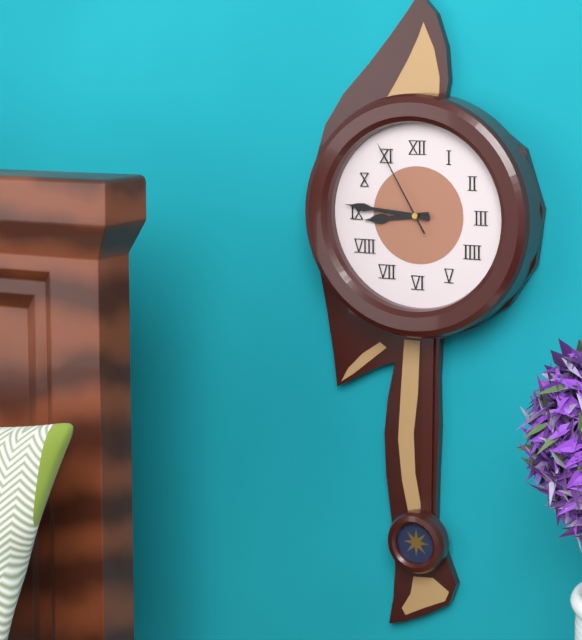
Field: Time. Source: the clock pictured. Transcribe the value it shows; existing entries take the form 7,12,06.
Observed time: 8,46,55
